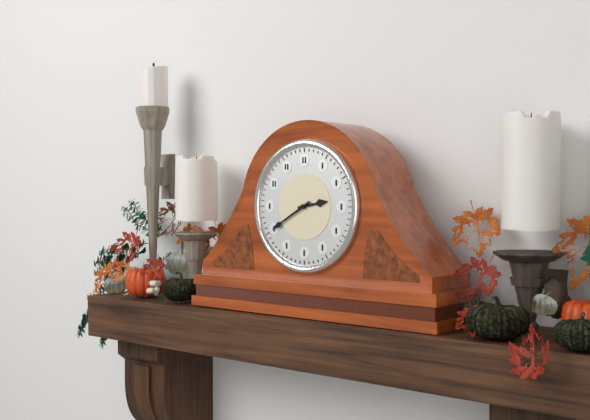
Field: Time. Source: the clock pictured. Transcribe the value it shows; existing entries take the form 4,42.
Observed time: 2,40
